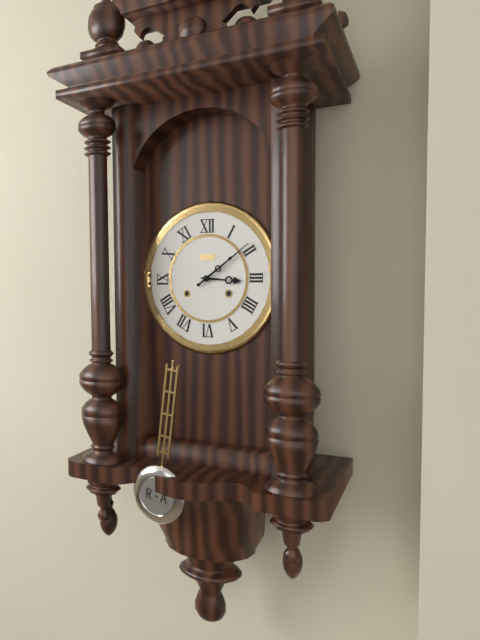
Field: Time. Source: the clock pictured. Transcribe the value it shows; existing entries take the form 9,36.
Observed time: 3,09
